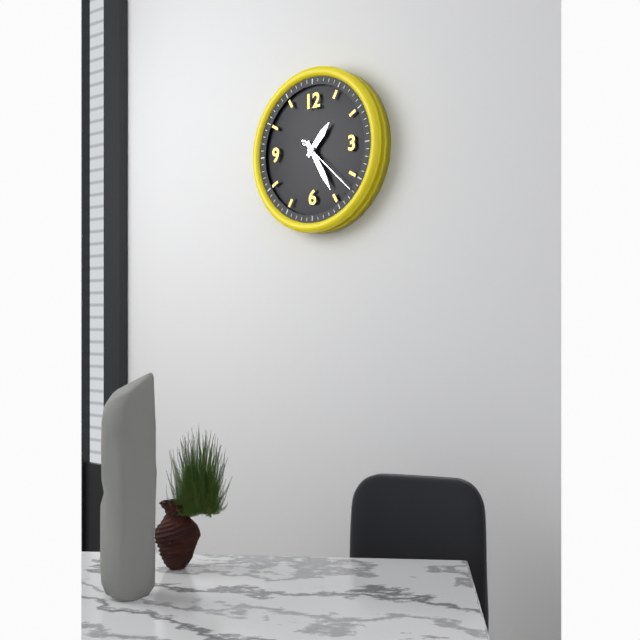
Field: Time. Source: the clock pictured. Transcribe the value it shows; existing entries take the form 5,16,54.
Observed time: 1,25,22
